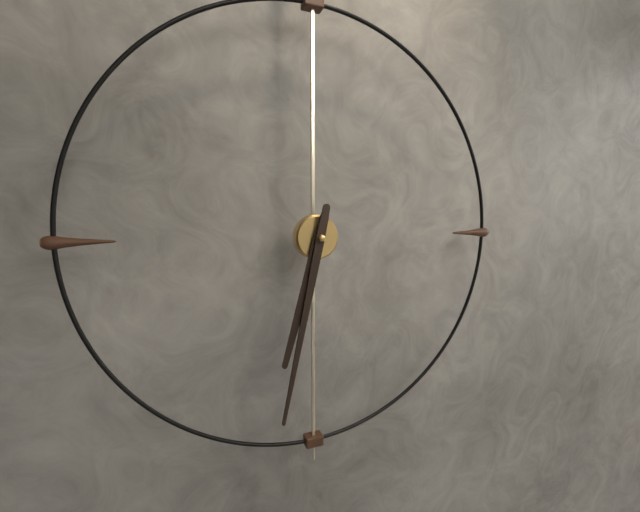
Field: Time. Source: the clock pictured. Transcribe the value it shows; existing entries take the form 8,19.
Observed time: 6,32
